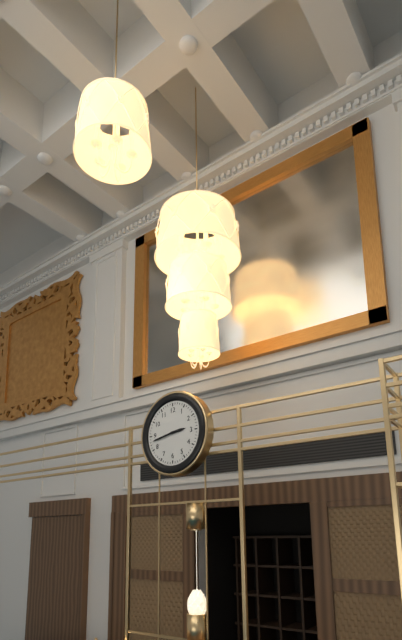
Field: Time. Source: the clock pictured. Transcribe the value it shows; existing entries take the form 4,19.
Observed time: 2,43
